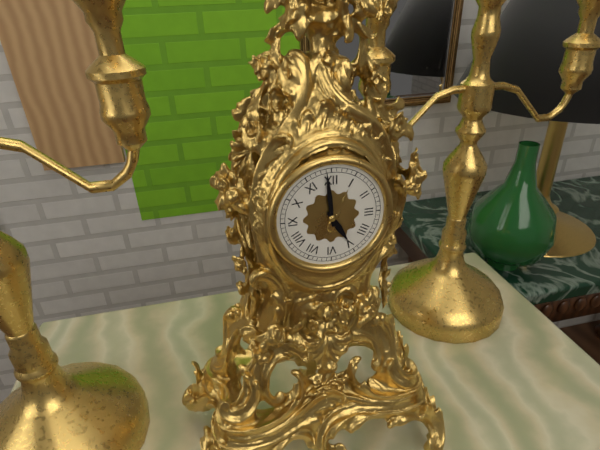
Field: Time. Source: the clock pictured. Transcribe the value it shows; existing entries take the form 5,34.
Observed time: 4,59
